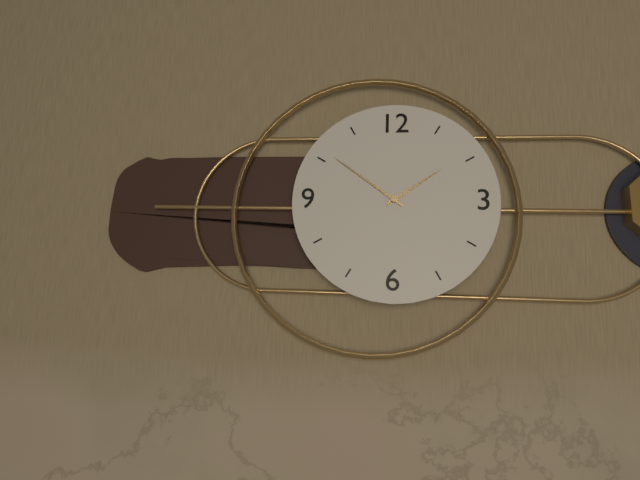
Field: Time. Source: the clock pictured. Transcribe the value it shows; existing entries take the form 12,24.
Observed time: 1,51
